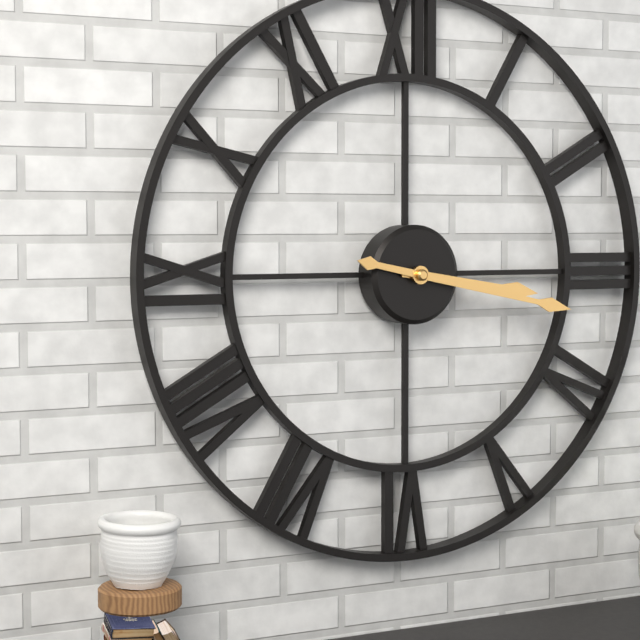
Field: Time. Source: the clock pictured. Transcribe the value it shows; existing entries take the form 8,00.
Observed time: 3,17
